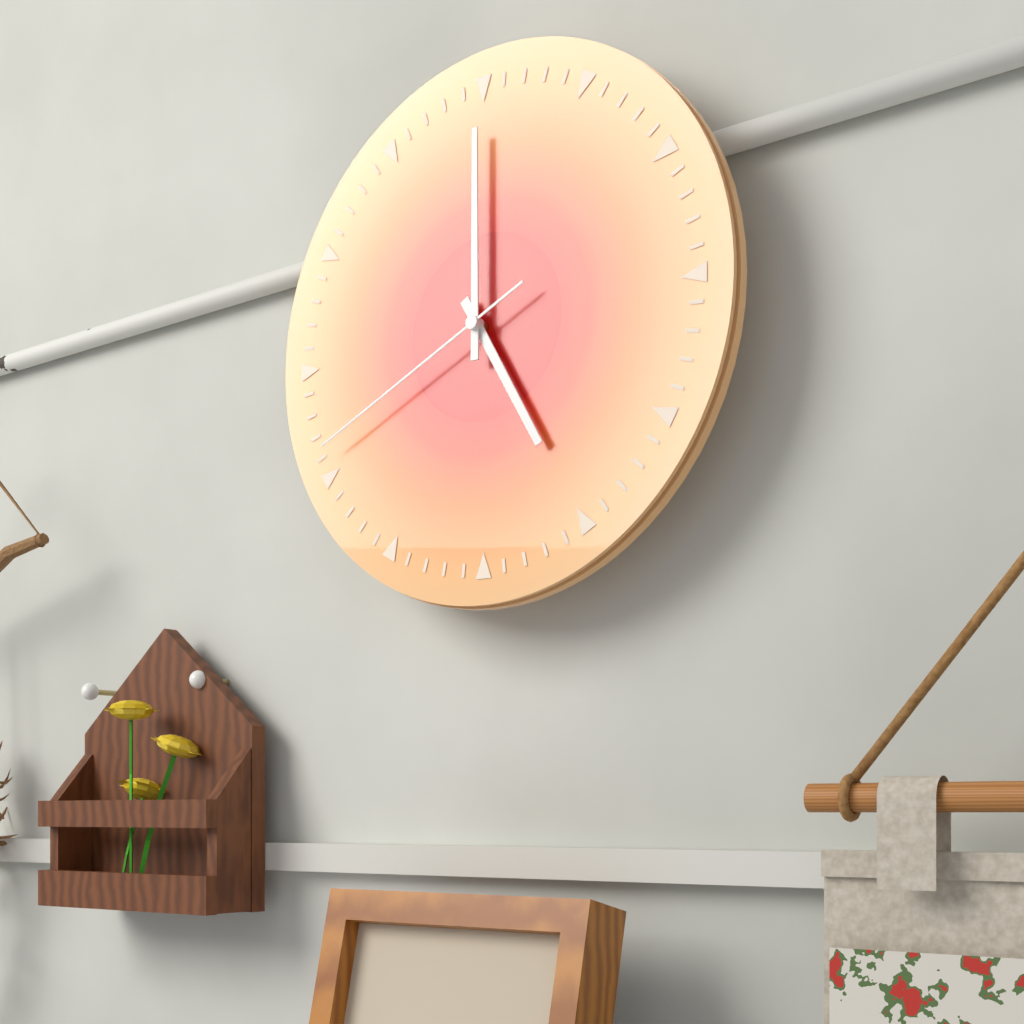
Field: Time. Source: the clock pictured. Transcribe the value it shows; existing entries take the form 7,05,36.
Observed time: 5,00,41
